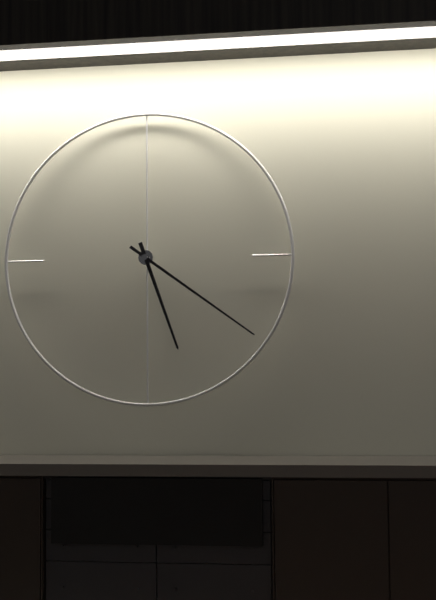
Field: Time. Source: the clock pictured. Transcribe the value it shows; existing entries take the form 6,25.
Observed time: 5,21
